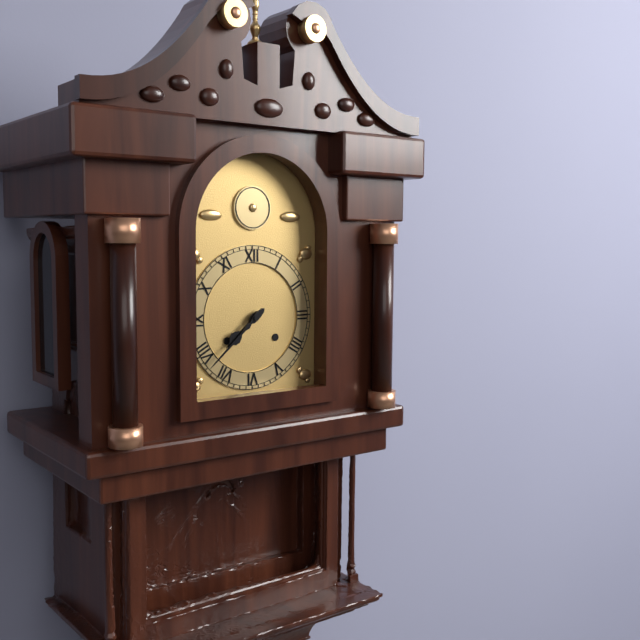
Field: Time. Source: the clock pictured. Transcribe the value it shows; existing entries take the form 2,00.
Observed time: 7,38
